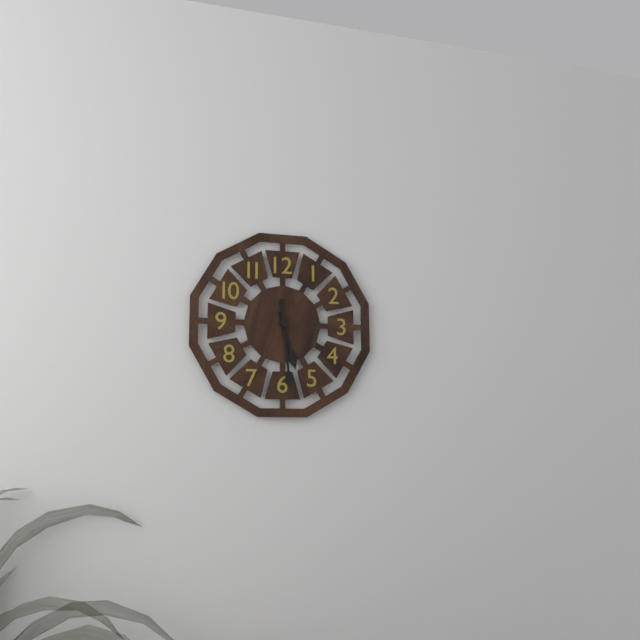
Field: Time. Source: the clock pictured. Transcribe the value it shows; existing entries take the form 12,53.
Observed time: 5,29
